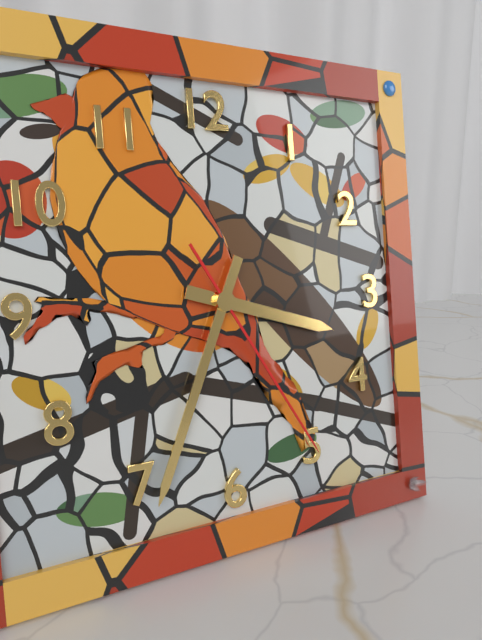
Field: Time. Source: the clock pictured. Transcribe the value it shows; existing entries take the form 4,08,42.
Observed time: 3,34,25
